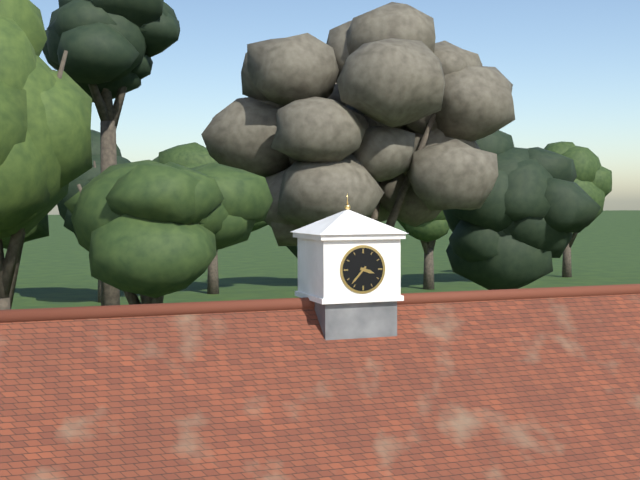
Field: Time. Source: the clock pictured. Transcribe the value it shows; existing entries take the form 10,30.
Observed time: 3,37
